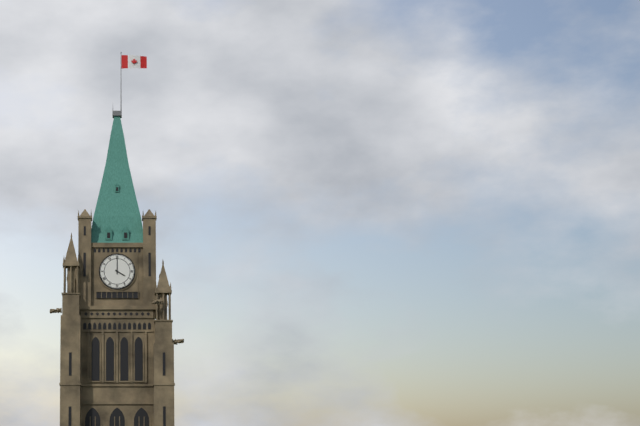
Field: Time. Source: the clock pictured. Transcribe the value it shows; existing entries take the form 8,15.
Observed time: 4,00
